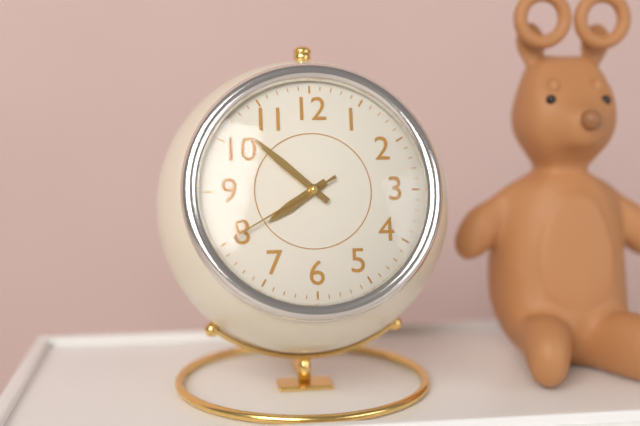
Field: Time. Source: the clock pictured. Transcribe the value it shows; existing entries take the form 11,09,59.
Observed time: 7,52,40
